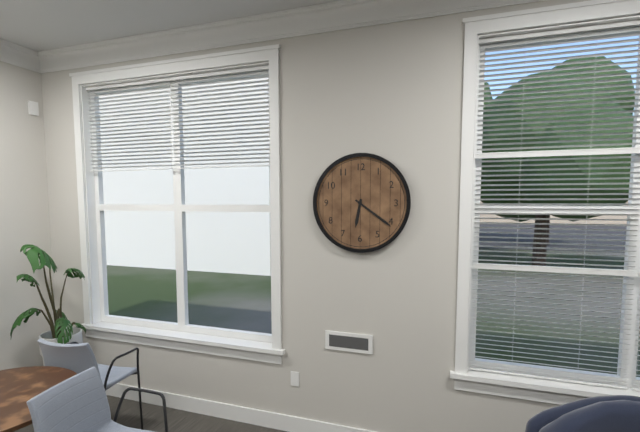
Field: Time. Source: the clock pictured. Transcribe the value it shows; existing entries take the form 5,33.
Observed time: 6,21
